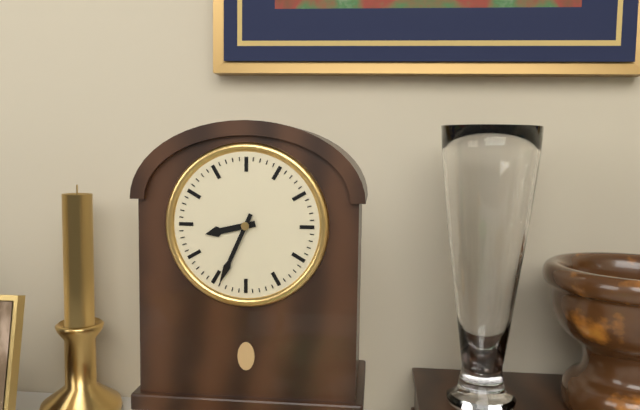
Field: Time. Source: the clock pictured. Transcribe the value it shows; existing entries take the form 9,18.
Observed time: 8,34
